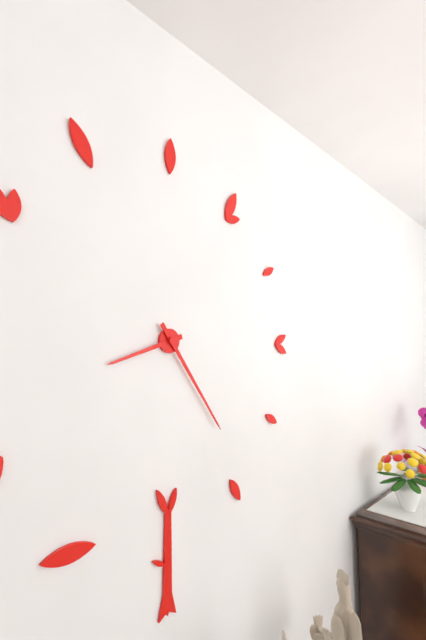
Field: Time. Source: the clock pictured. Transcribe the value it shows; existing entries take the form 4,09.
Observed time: 8,24
